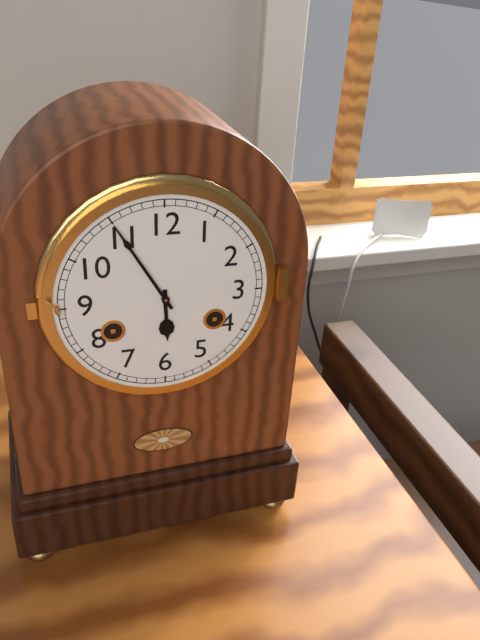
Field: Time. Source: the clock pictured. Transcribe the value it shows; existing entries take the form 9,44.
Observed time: 5,55
